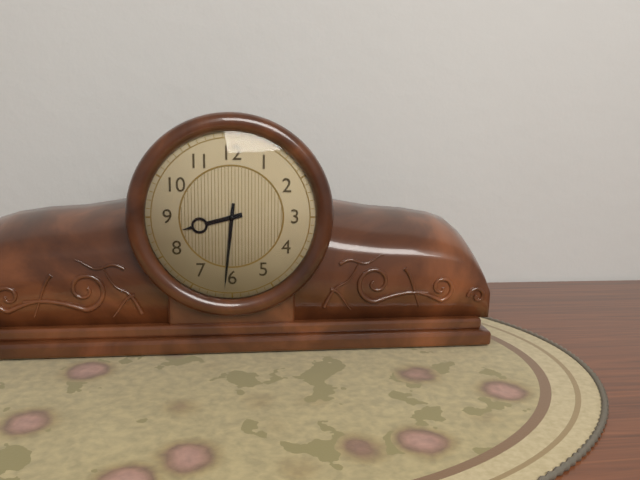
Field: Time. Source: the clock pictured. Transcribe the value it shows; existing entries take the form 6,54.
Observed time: 8,31
